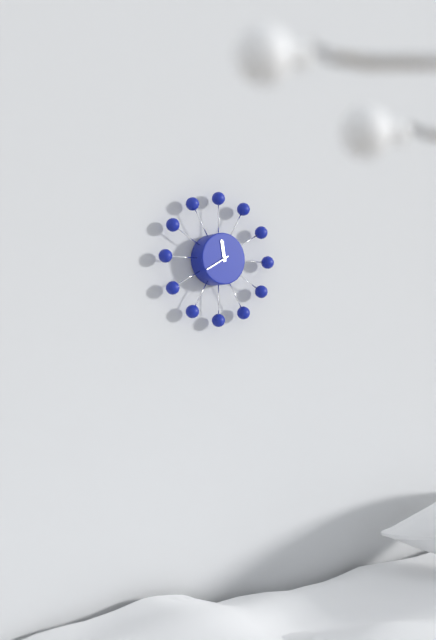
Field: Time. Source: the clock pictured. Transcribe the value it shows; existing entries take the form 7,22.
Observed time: 11,40
